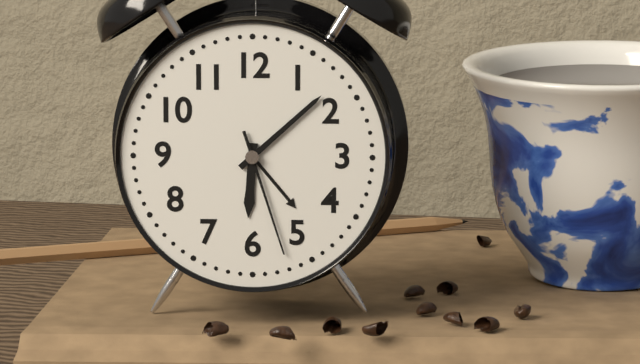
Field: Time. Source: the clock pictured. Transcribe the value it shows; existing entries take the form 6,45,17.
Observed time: 6,08,27
